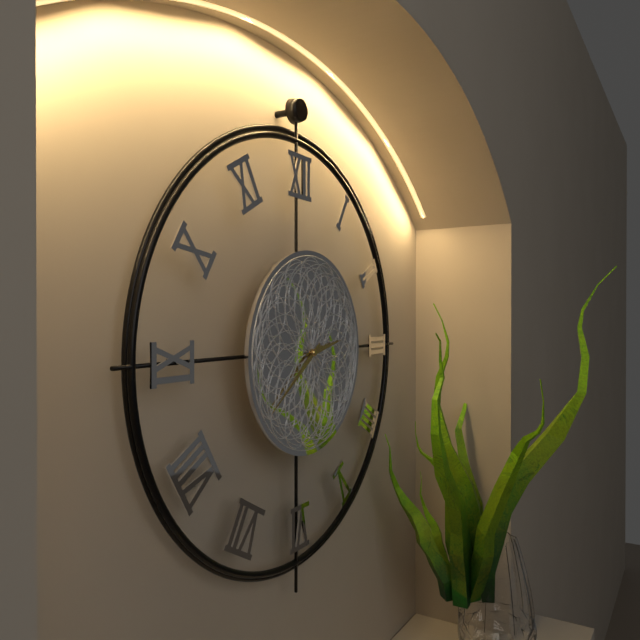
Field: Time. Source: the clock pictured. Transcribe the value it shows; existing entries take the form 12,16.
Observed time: 2,39
